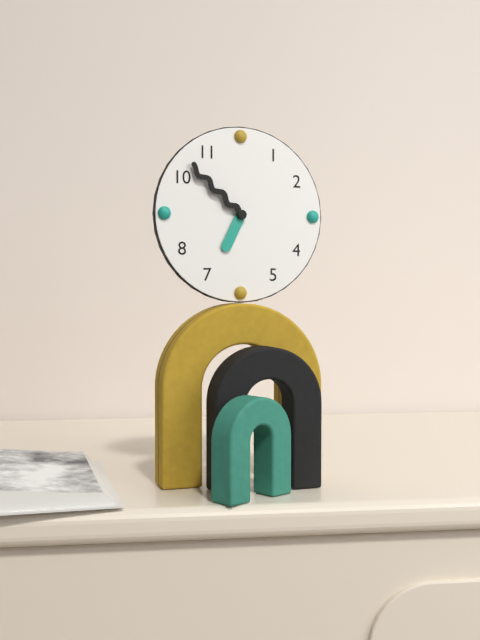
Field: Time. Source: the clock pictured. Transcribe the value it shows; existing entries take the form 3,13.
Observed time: 6,52
